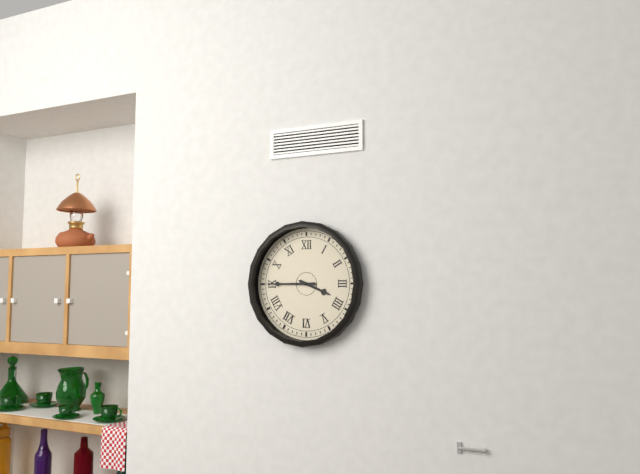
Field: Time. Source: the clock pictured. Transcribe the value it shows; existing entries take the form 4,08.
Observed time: 3,45
